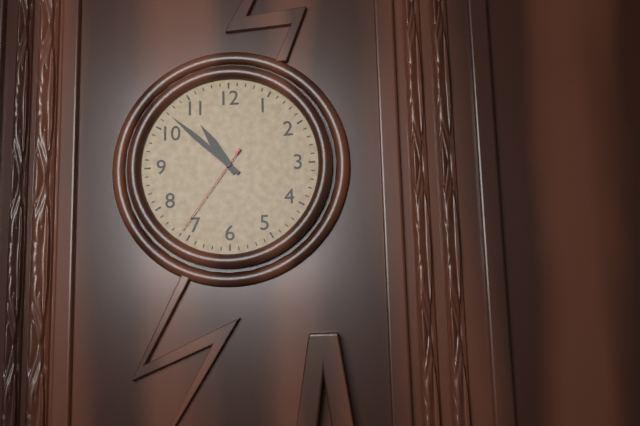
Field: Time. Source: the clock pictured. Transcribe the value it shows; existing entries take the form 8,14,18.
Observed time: 10,52,36
